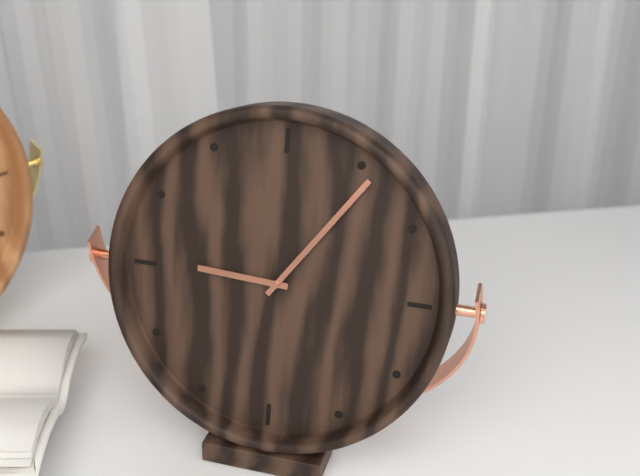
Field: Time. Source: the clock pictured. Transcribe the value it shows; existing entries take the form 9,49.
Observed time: 9,06
